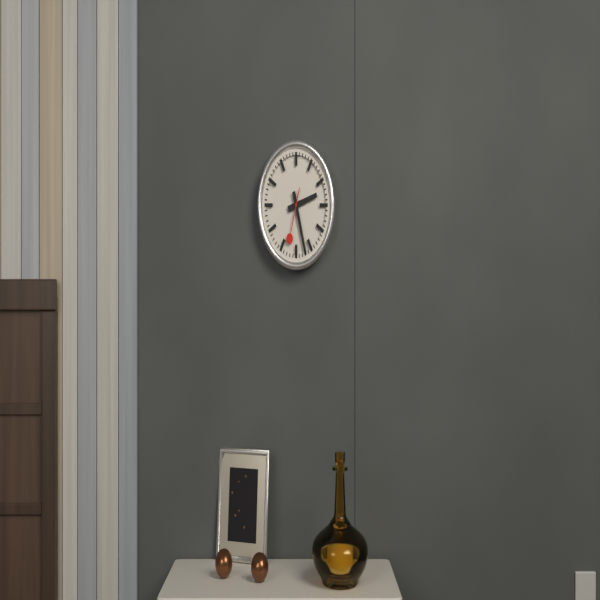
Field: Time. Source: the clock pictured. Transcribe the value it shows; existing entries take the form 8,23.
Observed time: 2,27
